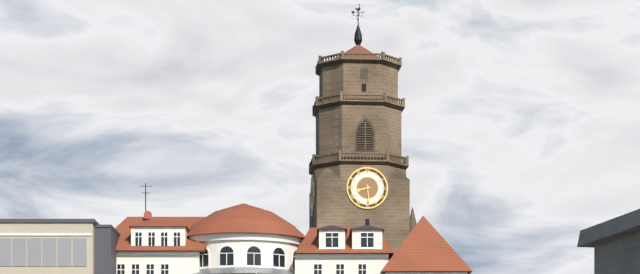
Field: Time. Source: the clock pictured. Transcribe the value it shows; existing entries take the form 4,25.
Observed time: 8,29
